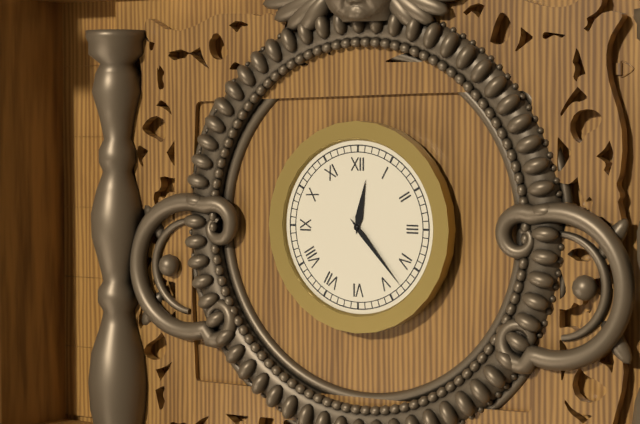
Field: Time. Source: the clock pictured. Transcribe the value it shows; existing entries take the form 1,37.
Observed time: 12,23
